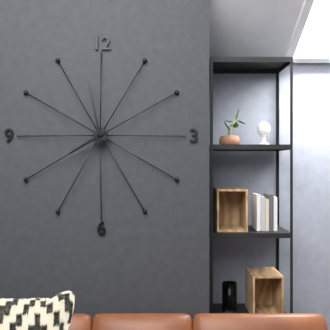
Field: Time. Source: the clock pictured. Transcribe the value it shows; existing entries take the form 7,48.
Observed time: 7,58
